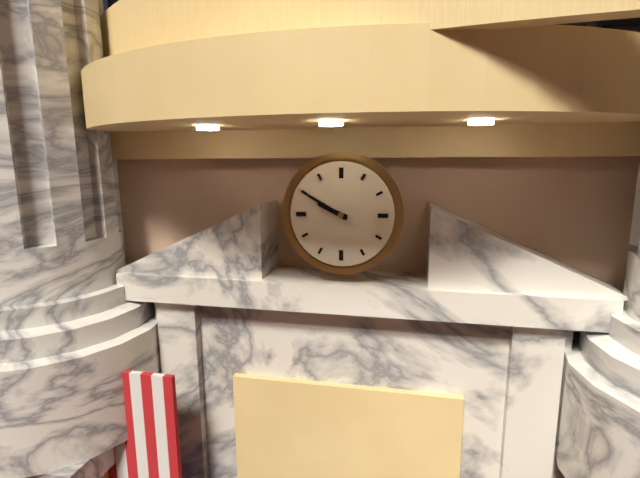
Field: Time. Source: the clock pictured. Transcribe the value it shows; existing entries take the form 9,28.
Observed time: 9,50
